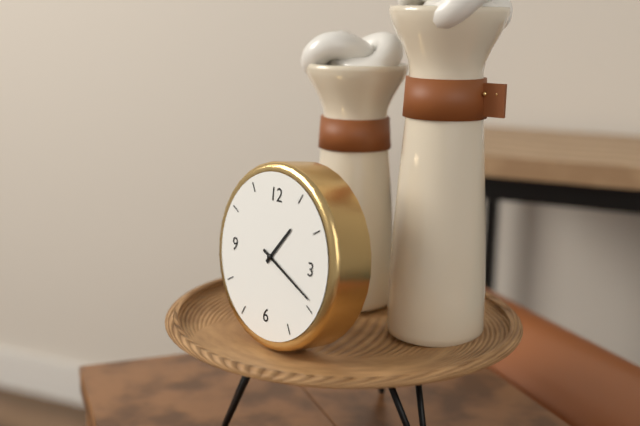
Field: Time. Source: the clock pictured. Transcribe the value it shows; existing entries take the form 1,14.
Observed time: 1,19
